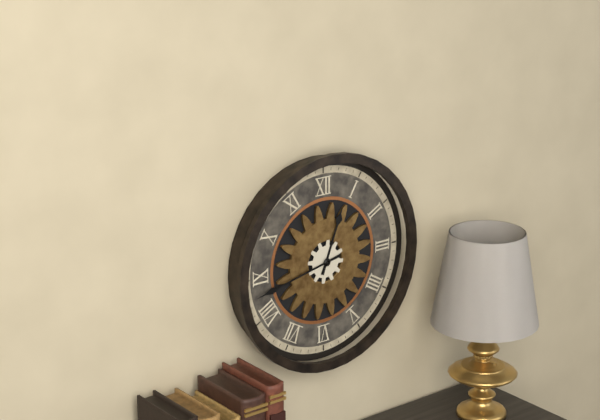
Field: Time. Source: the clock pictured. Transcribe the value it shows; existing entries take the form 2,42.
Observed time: 12,43
